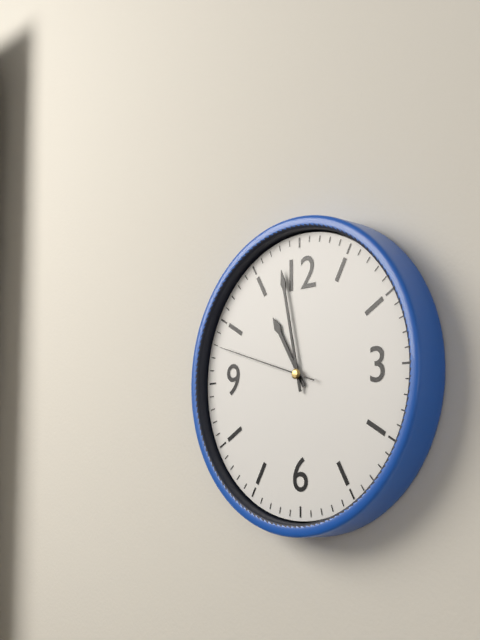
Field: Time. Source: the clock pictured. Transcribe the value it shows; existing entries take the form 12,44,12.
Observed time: 10,58,48
